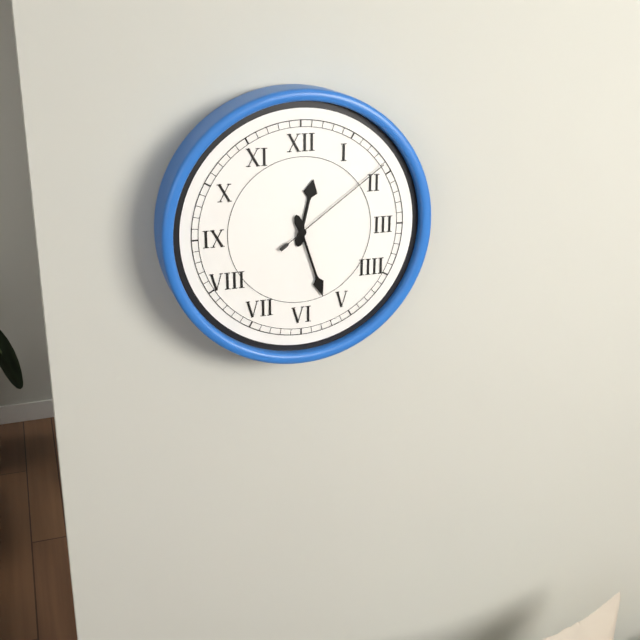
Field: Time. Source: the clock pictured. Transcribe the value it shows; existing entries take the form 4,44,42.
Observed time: 12,27,09
